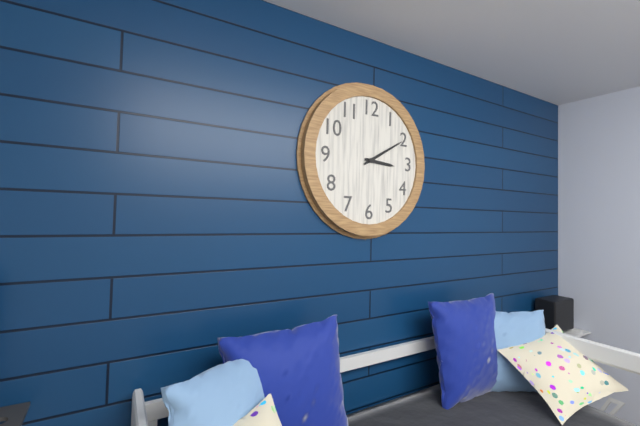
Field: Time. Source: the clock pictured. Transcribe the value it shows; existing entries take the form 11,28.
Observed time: 3,10
